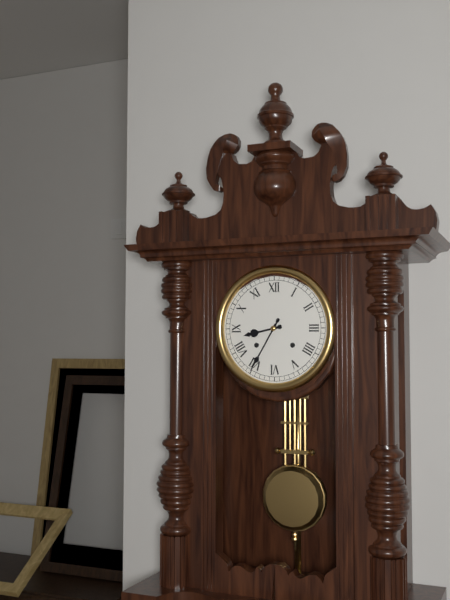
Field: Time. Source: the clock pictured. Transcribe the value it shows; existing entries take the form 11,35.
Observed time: 8,35
